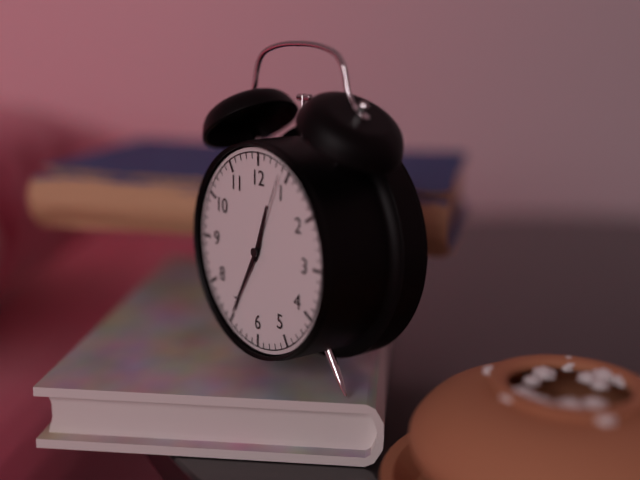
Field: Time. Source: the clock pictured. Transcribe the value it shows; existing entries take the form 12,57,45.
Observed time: 12,35,04
